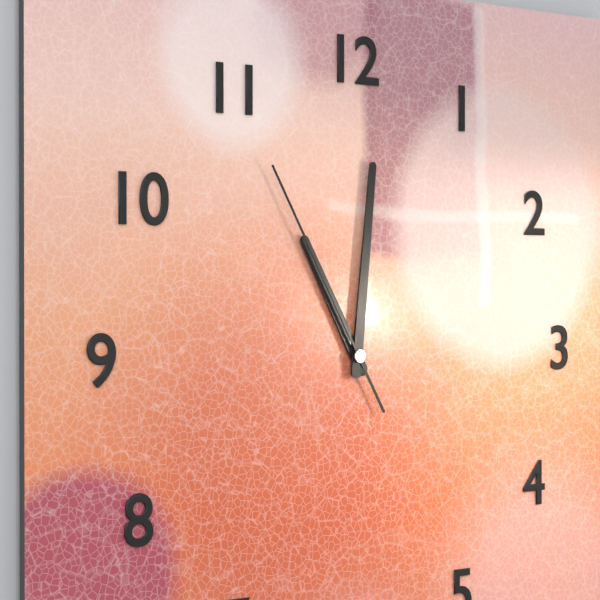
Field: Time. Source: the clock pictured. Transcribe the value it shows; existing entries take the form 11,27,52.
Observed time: 11,01,55
